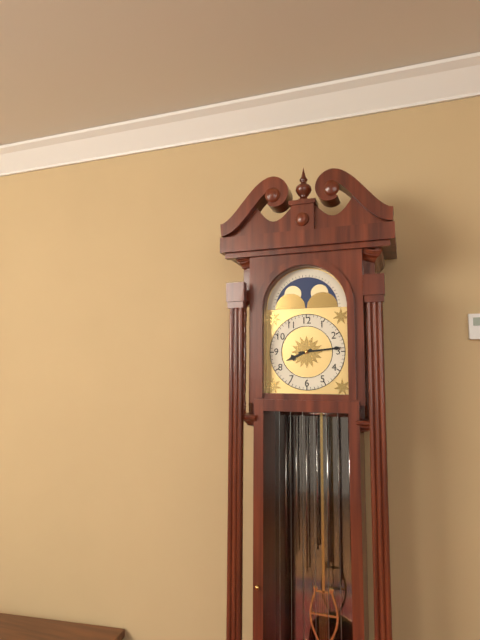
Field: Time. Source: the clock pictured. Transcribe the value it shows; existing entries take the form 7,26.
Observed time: 8,14
